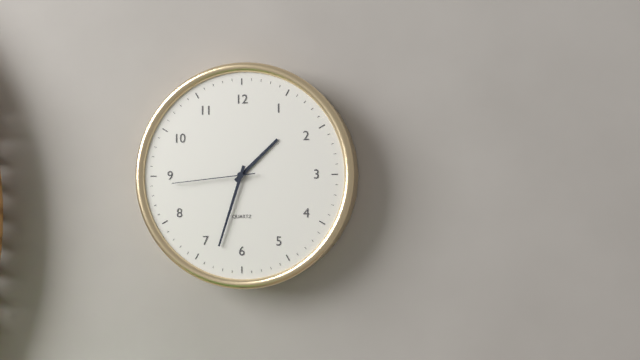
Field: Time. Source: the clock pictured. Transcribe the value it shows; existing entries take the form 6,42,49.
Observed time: 1,33,44
